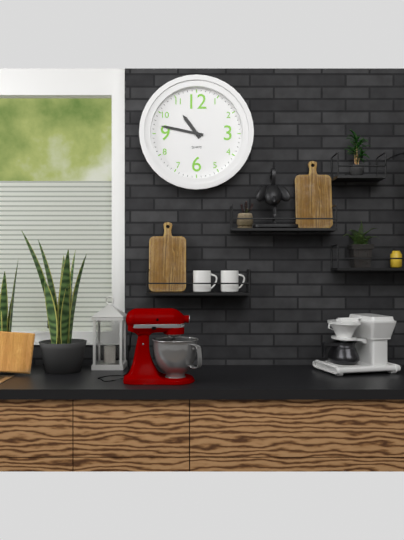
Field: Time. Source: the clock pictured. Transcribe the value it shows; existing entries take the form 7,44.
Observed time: 10,47
